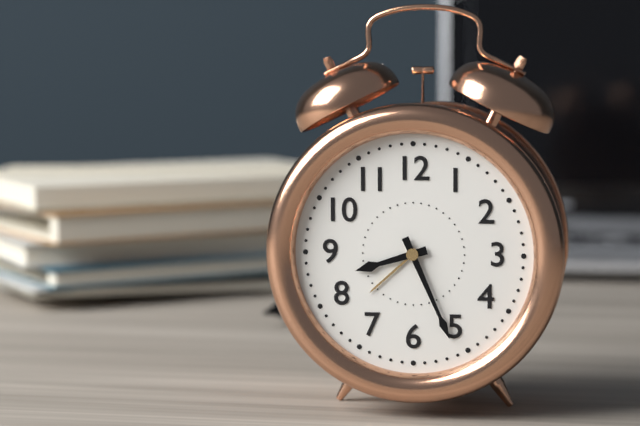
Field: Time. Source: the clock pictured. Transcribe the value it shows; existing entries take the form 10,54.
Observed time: 8,26
